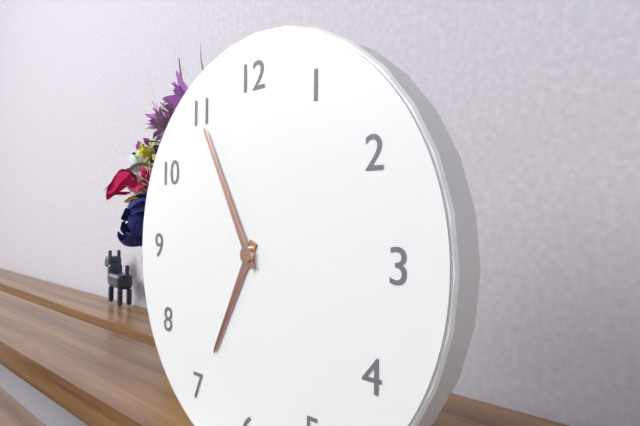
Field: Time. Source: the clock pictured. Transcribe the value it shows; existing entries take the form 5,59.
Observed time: 6,55
